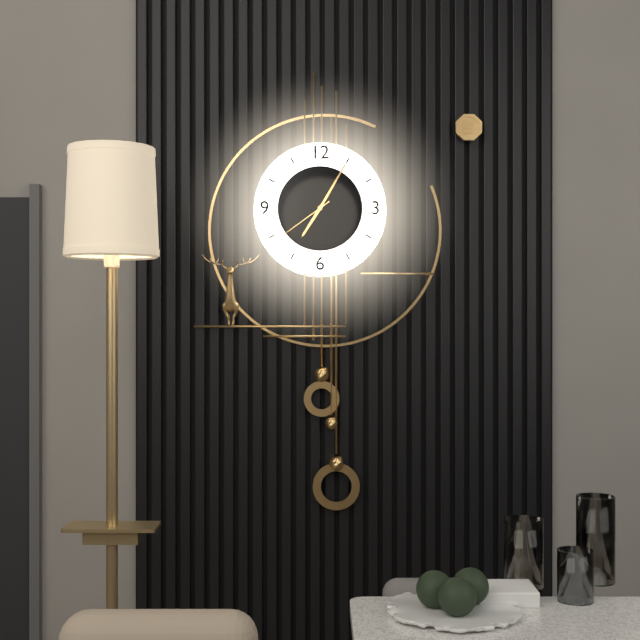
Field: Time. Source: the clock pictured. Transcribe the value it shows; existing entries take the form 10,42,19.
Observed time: 7,05,39
